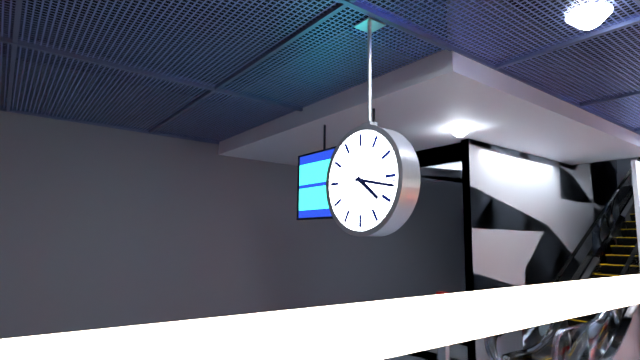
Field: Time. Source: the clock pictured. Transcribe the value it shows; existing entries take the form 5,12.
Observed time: 4,17
